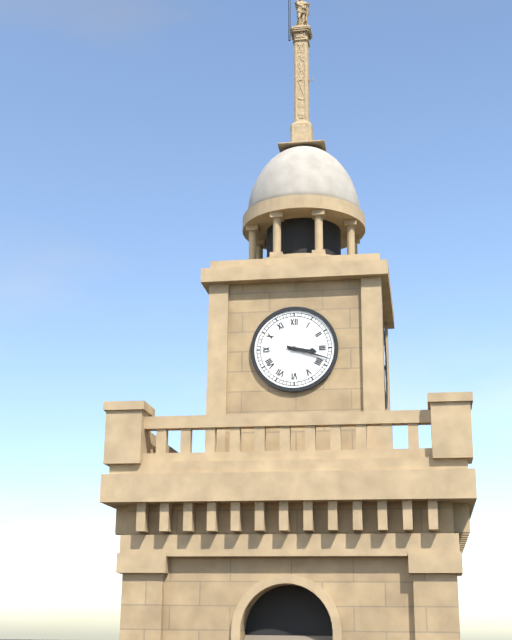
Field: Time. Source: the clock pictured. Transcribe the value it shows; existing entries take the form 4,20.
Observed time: 3,18
